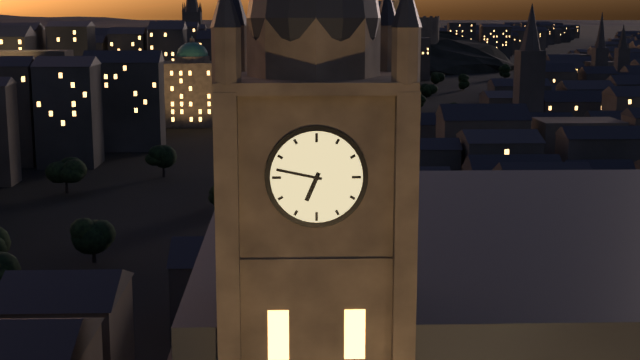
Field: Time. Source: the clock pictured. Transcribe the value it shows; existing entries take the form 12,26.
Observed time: 6,47
